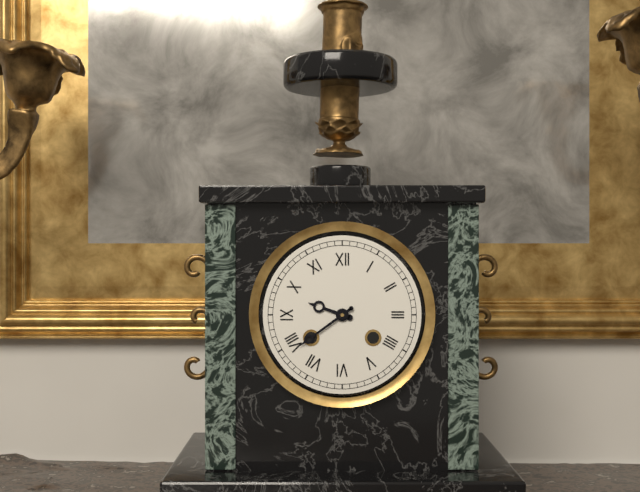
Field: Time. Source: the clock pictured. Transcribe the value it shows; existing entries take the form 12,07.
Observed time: 9,39
